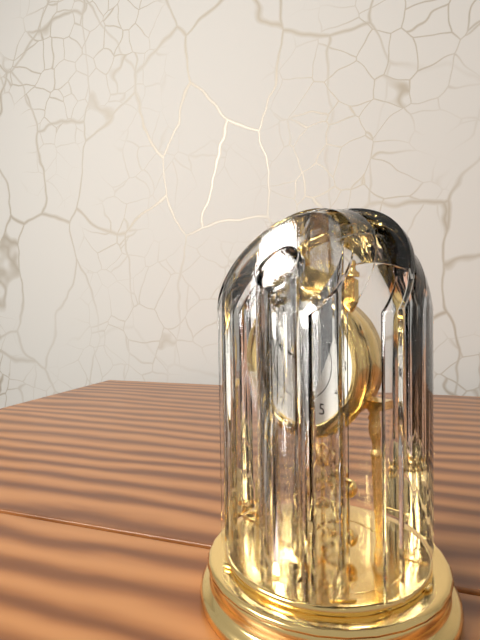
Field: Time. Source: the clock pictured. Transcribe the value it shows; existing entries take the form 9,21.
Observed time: 10,00
